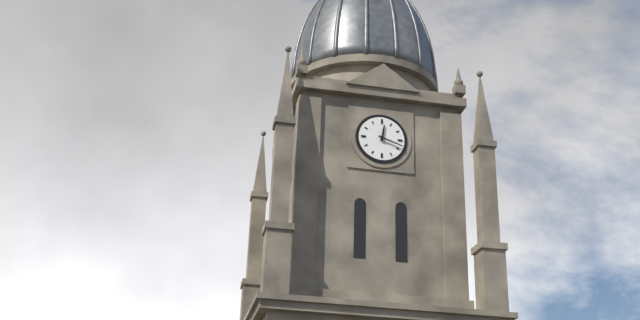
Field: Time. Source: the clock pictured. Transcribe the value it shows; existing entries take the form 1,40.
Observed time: 12,18
